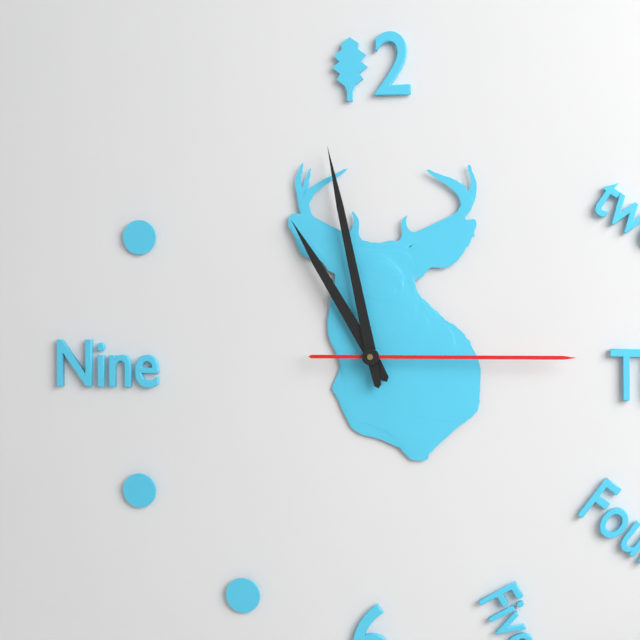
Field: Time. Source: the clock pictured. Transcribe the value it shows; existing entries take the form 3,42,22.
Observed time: 10,58,15
